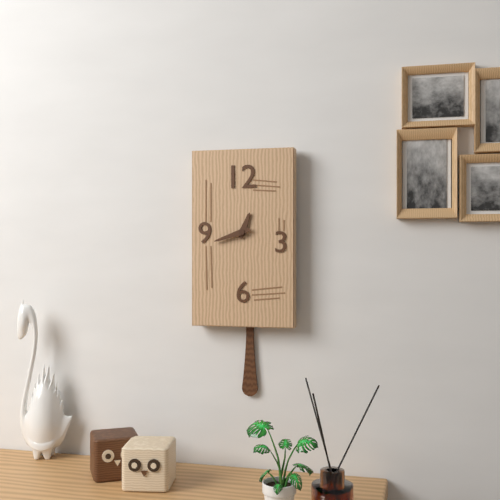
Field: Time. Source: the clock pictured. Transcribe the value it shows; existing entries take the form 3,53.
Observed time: 12,42
